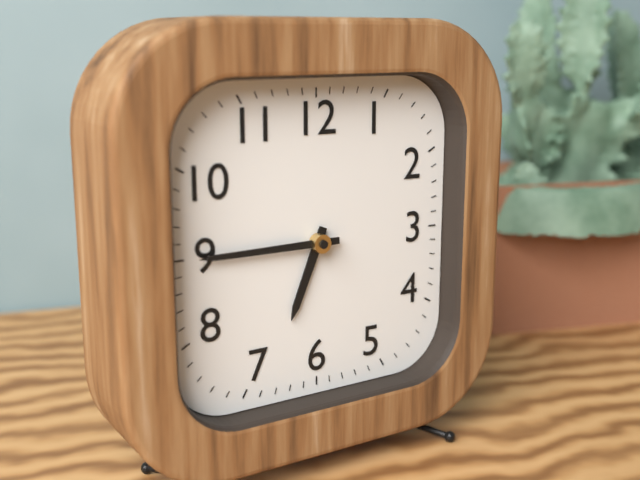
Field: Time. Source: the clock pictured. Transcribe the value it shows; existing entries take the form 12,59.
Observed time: 6,45
